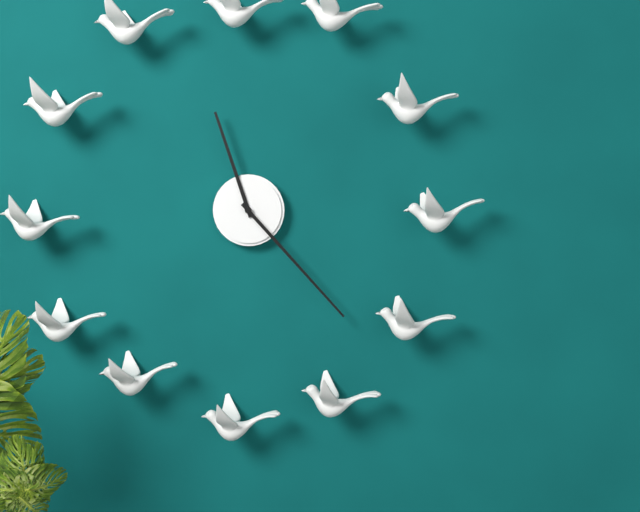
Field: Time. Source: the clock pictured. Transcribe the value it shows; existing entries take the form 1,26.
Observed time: 11,23
